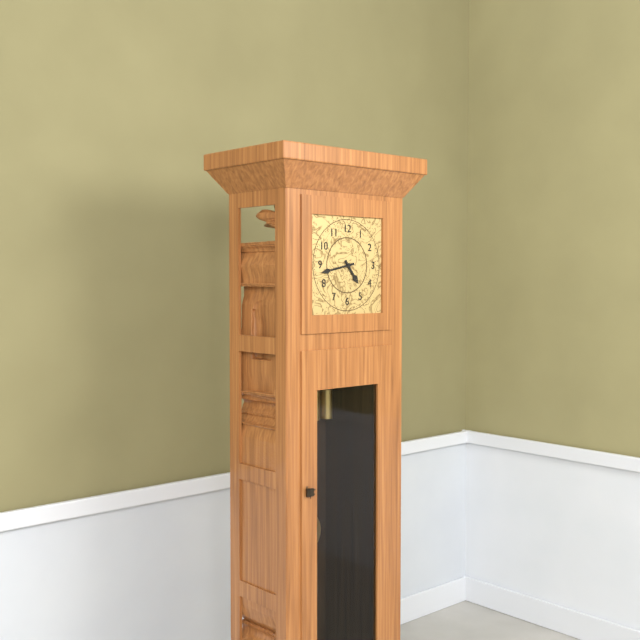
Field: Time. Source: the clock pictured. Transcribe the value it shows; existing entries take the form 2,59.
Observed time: 4,43
